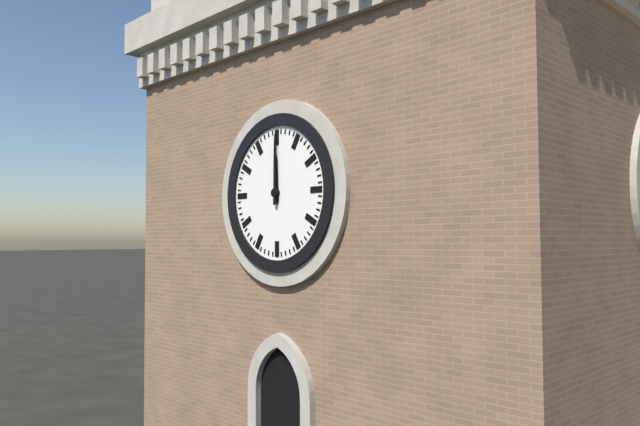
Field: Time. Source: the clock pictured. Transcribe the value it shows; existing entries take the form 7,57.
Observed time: 12,00
